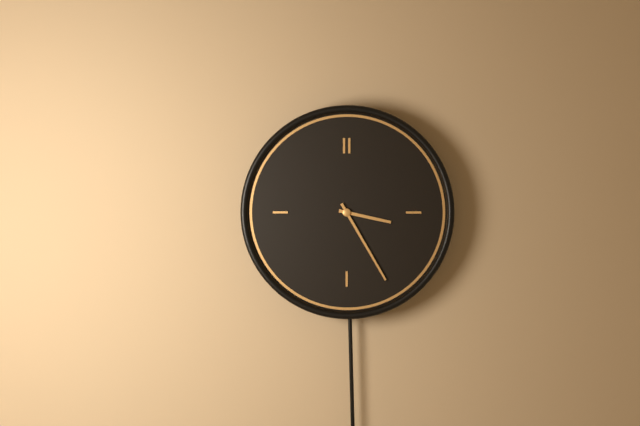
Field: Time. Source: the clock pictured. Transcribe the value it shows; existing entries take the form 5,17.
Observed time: 3,25
